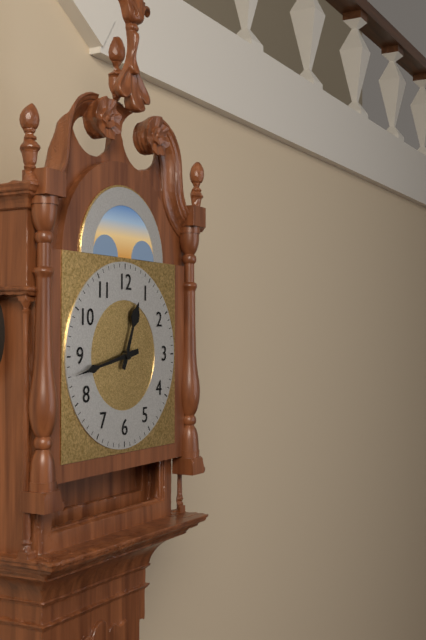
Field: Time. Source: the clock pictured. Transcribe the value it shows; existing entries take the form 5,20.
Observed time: 12,43
